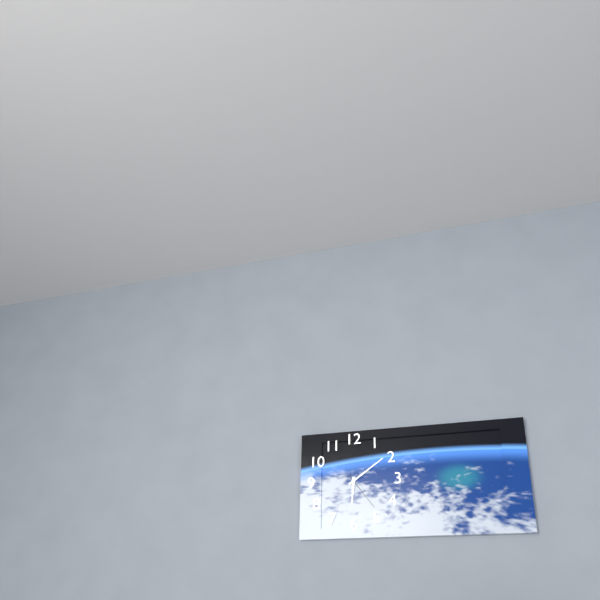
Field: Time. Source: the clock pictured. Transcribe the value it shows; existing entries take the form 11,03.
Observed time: 6,09
